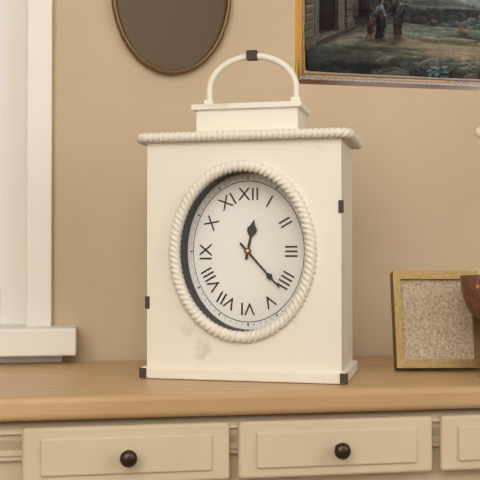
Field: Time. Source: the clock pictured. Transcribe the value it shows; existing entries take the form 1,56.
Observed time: 12,23
